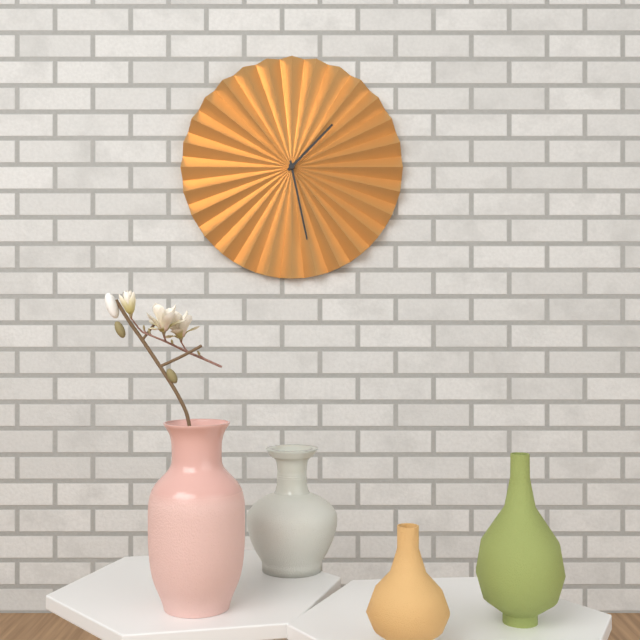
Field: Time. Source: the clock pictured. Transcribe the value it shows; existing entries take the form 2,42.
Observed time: 1,28
